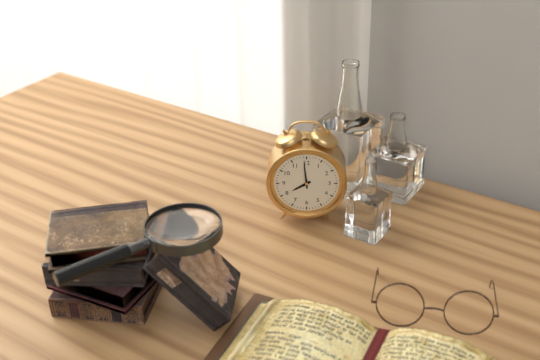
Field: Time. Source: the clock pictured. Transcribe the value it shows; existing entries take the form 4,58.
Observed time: 7,59
